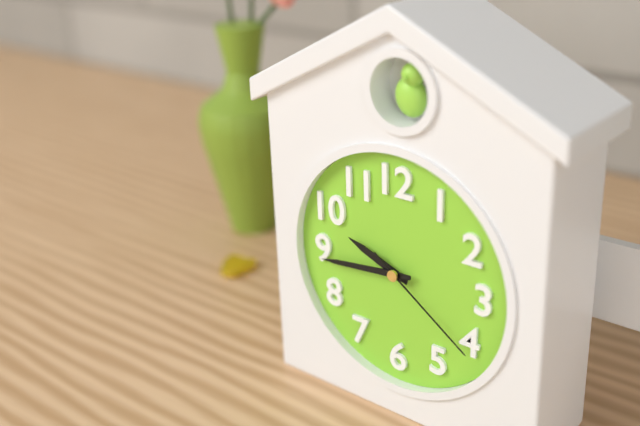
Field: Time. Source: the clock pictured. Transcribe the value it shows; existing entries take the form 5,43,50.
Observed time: 9,44,21
